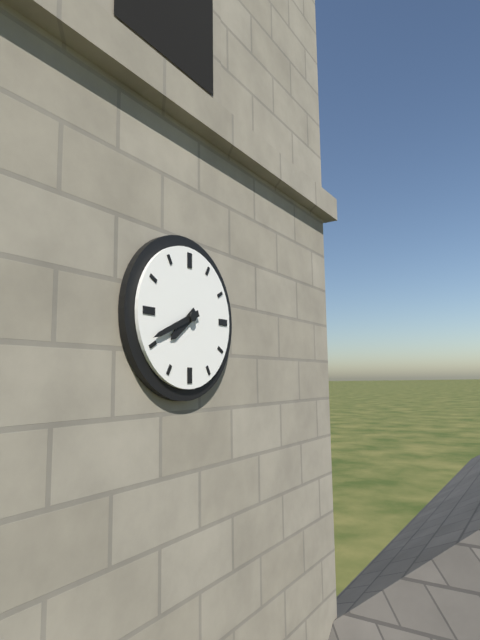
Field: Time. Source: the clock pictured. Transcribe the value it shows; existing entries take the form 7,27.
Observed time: 7,41
